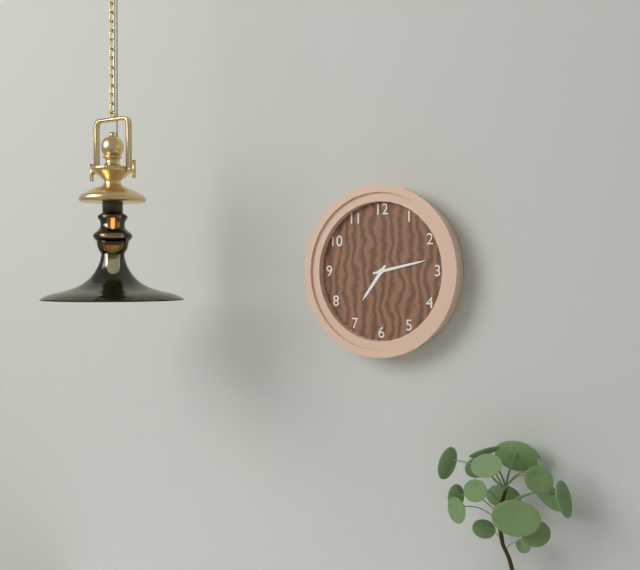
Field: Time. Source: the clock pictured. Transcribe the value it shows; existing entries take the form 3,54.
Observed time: 7,13
